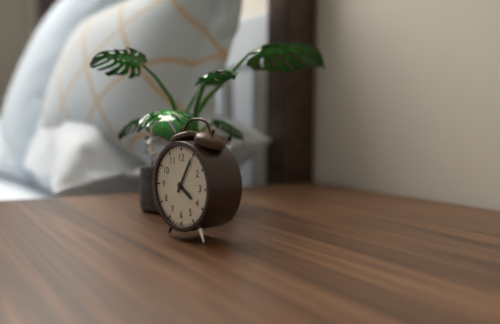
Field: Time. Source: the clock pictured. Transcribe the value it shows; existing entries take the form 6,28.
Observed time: 4,05
